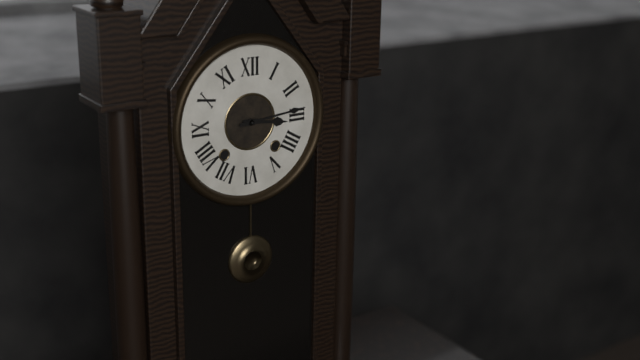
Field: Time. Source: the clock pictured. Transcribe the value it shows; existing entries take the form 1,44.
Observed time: 3,14
